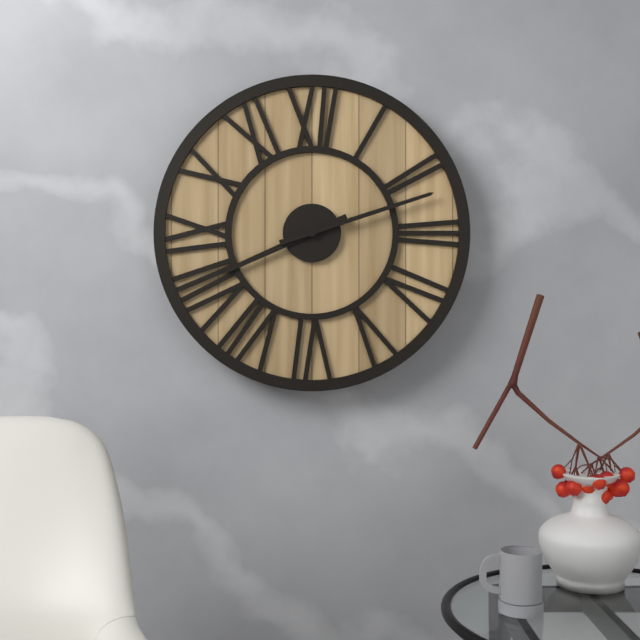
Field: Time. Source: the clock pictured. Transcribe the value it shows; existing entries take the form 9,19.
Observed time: 8,12
